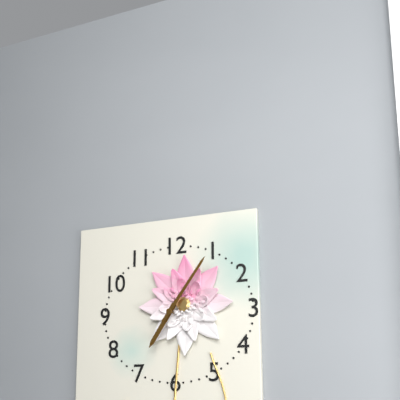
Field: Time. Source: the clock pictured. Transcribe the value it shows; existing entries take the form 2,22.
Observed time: 7,06
